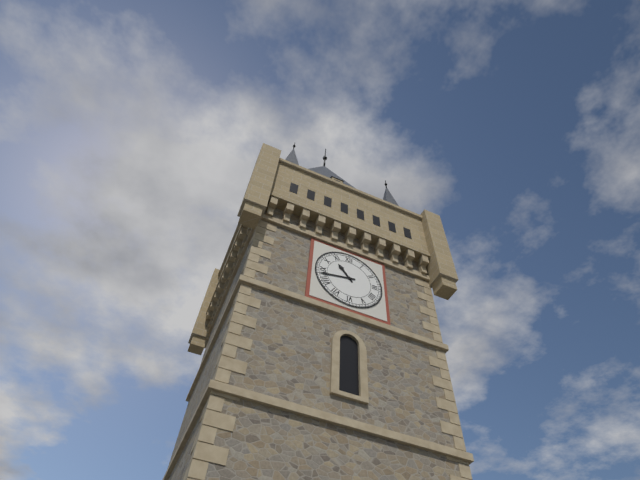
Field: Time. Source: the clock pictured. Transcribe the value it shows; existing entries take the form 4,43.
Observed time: 10,43
